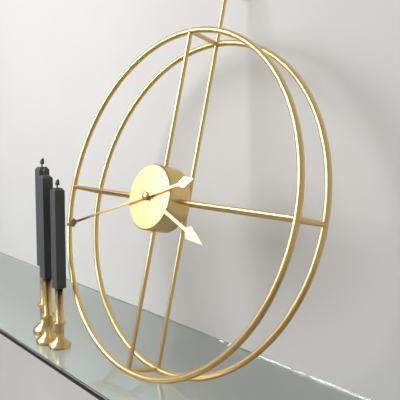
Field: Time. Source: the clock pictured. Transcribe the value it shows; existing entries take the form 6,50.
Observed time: 3,42
